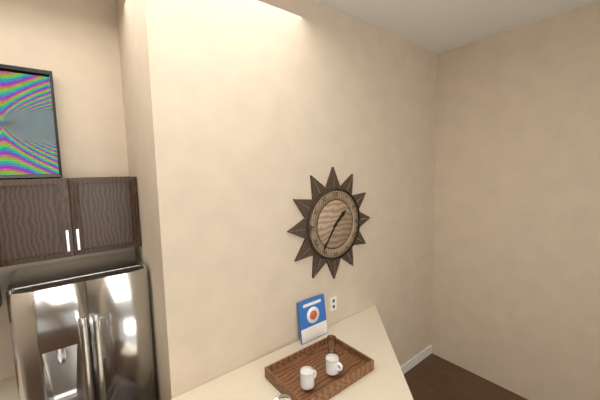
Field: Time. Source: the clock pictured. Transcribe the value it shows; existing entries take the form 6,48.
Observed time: 1,36
